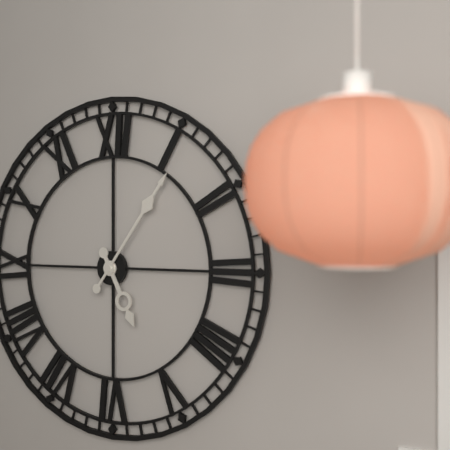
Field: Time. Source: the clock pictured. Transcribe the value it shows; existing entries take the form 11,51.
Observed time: 5,06
